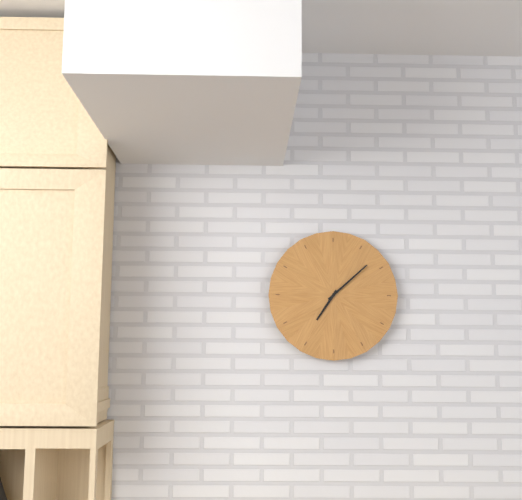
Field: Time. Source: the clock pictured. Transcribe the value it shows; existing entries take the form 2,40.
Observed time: 7,08
